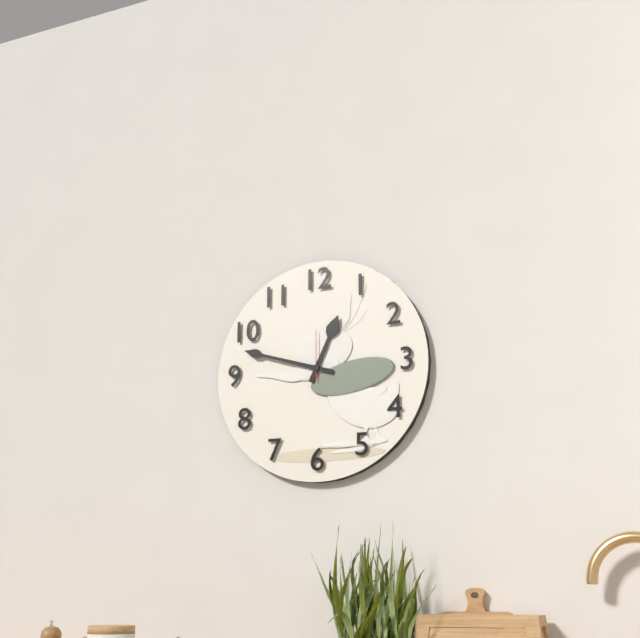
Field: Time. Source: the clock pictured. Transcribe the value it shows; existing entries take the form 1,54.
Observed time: 12,48
